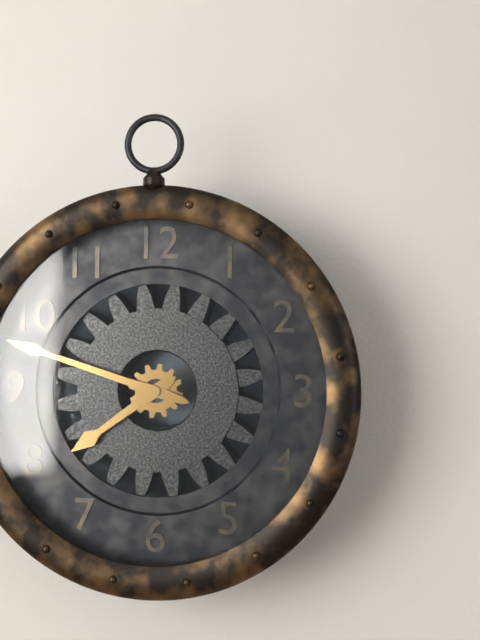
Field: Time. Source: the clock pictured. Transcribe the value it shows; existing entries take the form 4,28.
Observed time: 7,48
